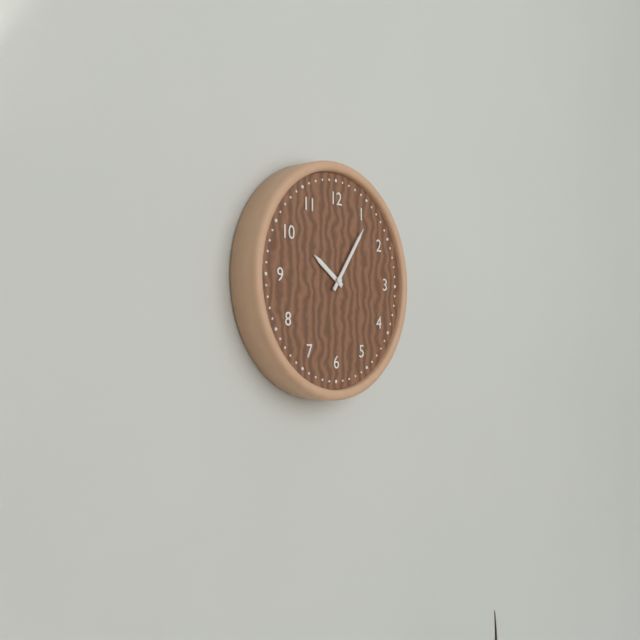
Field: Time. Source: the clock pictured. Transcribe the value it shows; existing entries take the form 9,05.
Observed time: 10,06
